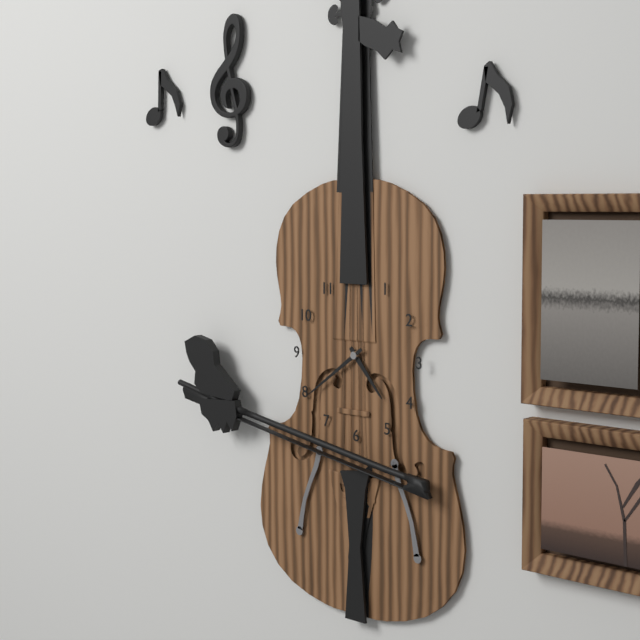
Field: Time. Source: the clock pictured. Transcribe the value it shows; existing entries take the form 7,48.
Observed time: 4,39
